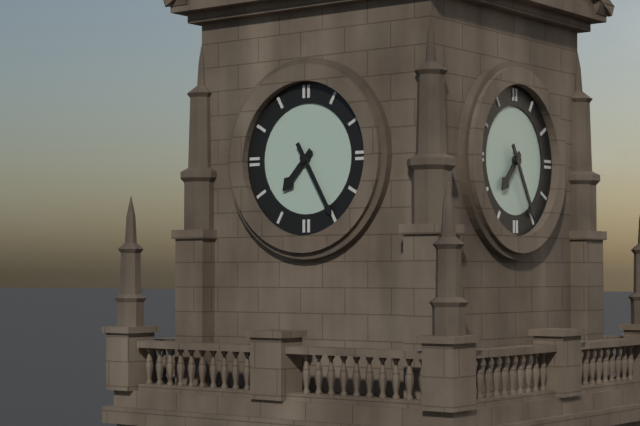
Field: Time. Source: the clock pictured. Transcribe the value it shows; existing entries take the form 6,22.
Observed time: 7,25
